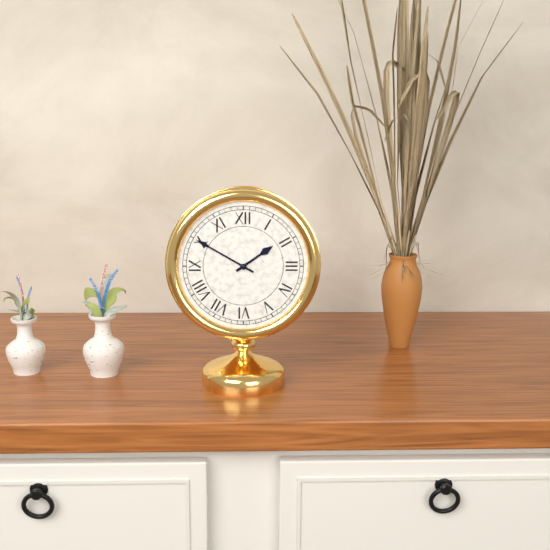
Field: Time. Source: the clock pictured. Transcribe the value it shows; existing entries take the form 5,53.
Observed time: 1,50
